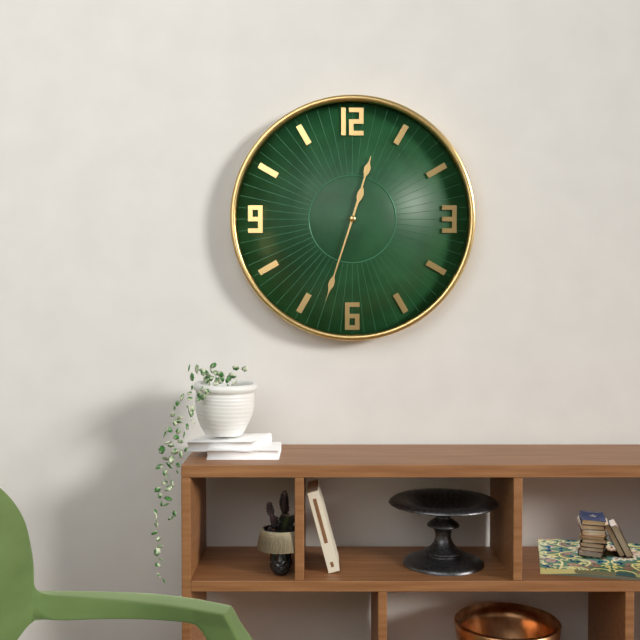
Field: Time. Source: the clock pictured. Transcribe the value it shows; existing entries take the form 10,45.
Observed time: 12,33
